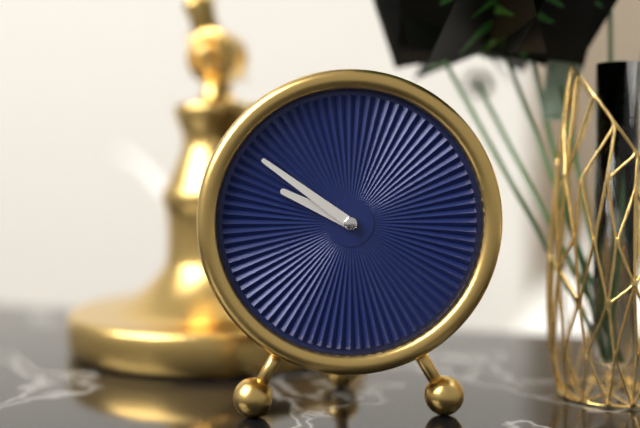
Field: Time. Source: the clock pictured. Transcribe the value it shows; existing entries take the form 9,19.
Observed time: 9,51
